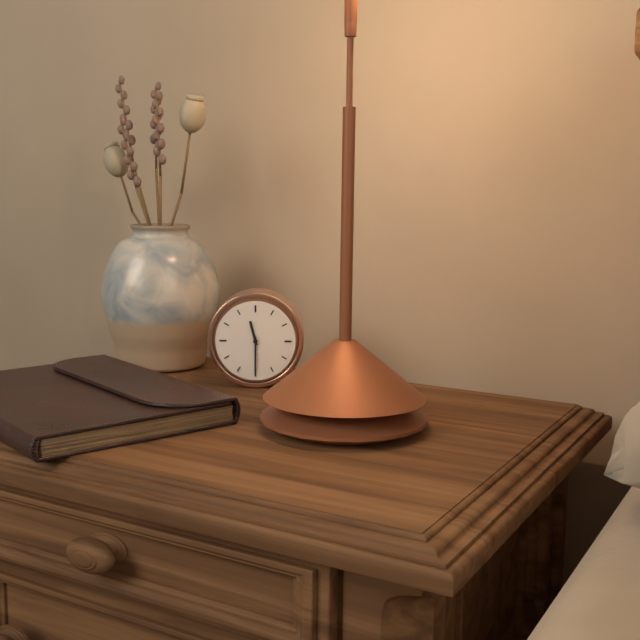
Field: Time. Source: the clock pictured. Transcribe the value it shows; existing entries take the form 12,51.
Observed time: 11,30
